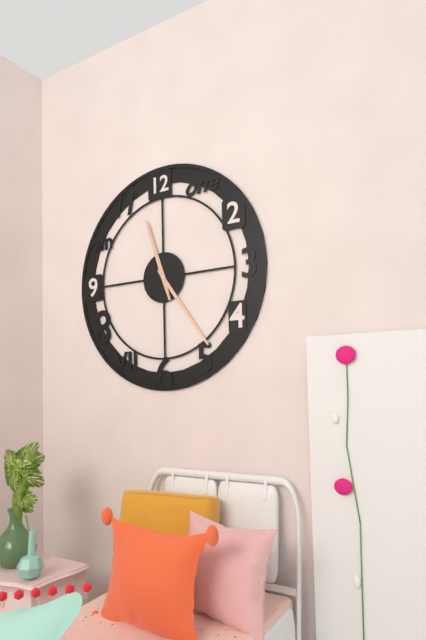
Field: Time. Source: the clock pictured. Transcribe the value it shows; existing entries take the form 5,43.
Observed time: 11,24
